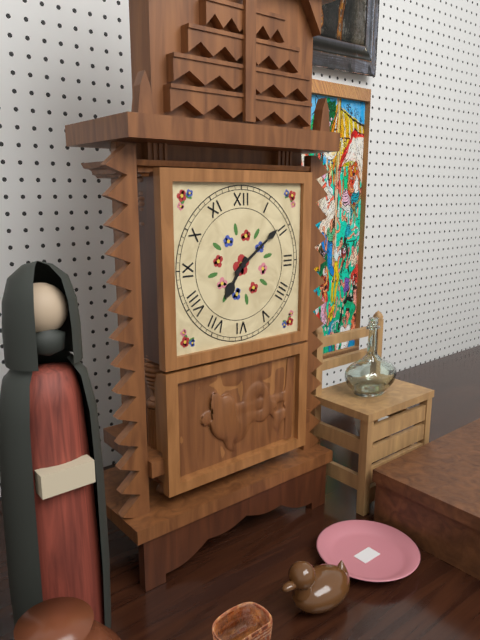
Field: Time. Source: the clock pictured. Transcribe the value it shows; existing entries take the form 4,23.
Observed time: 7,09
